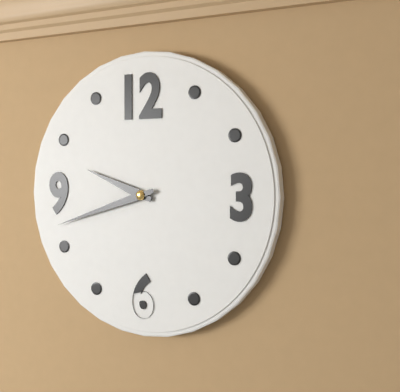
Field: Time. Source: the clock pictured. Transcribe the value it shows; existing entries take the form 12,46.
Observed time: 9,42
